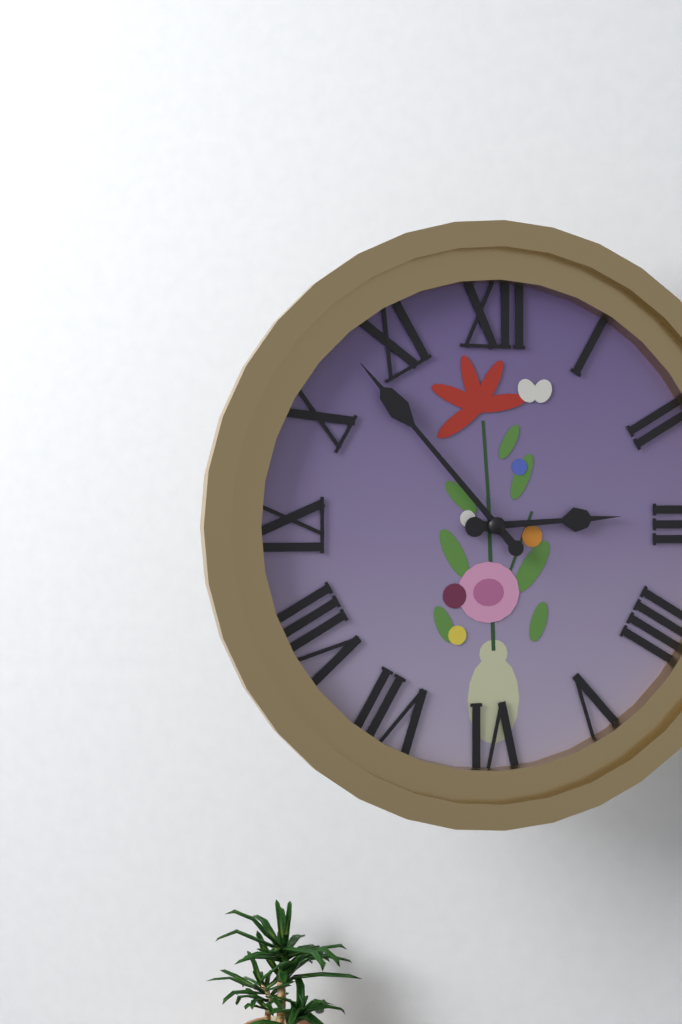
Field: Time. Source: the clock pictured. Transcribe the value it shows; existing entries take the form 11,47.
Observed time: 2,53
